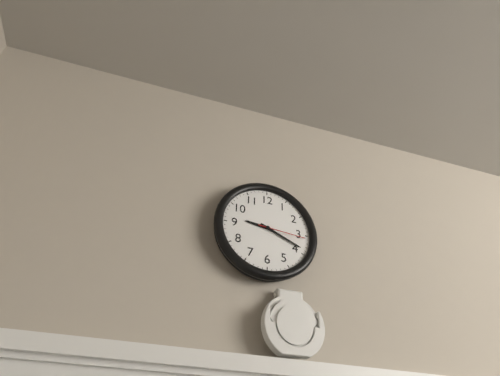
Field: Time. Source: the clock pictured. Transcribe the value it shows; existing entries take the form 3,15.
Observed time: 9,19
